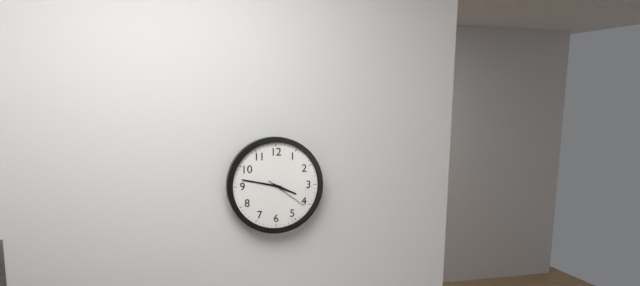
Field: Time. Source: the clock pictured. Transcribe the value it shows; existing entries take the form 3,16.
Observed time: 3,47
